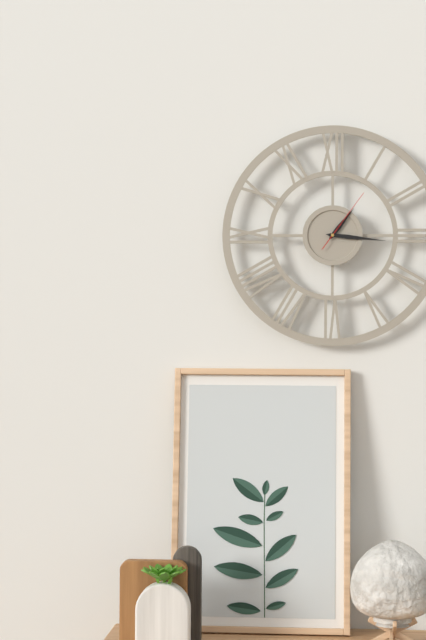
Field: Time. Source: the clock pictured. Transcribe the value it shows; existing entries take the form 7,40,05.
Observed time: 1,16,06
